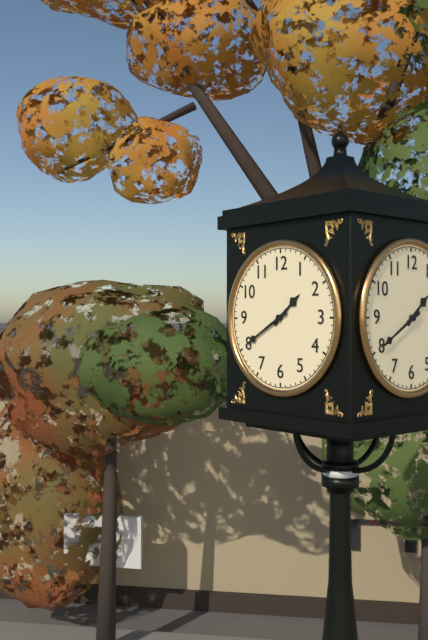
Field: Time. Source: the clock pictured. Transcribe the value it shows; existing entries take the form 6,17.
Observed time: 1,40
